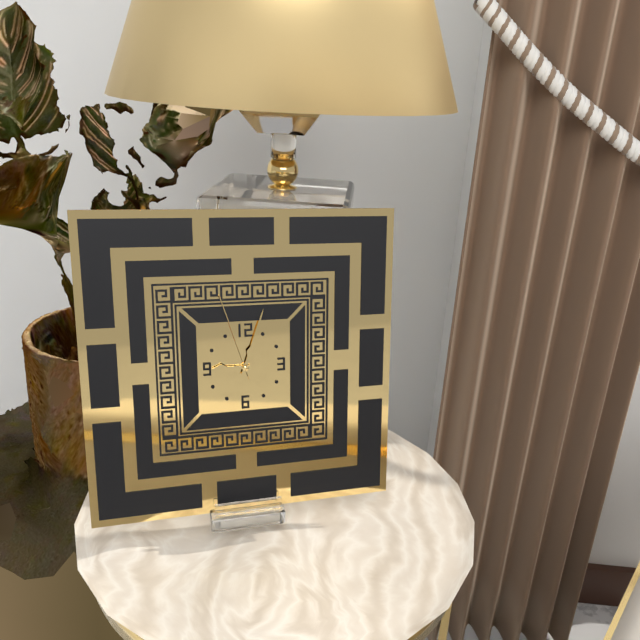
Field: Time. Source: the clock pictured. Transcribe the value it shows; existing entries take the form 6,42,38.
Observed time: 9,03,57
